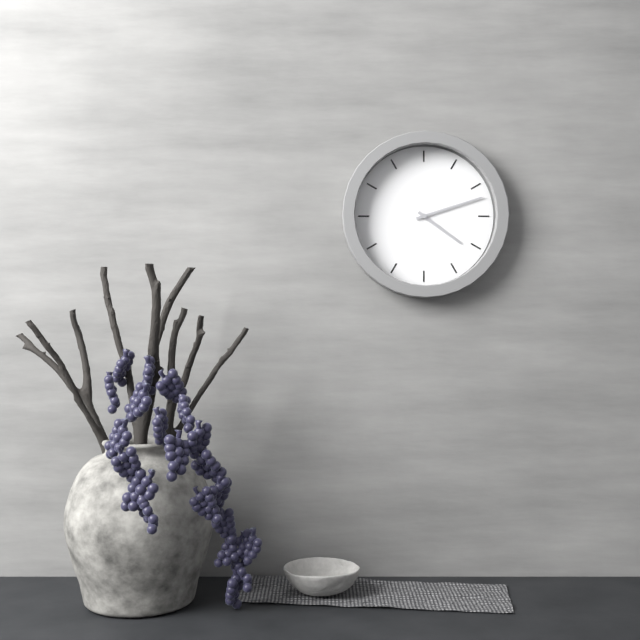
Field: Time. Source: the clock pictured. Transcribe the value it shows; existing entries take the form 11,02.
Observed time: 4,12
